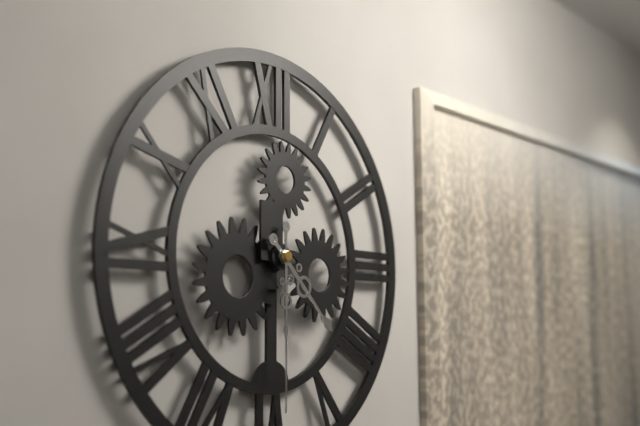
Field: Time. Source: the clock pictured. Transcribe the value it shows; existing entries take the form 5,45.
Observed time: 4,30
